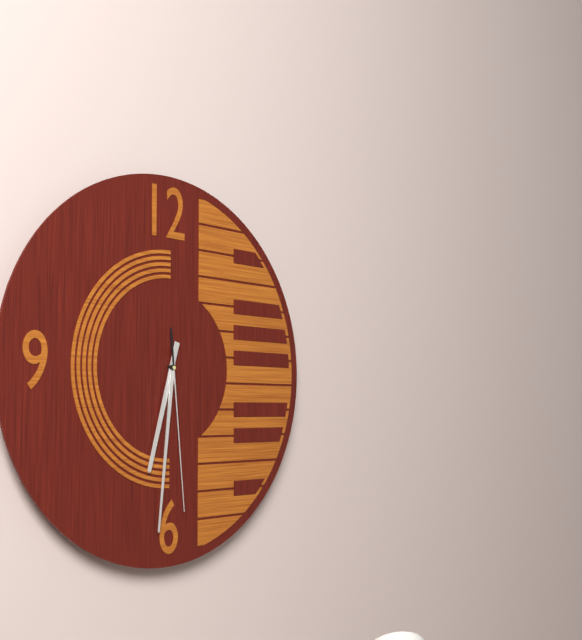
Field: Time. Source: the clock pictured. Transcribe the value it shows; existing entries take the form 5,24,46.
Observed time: 6,31,29
